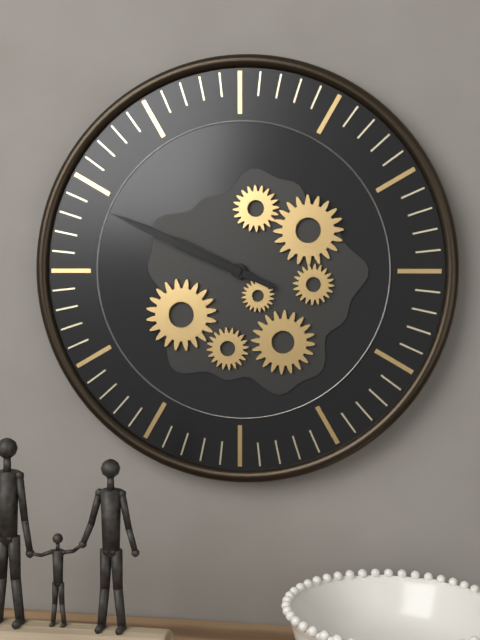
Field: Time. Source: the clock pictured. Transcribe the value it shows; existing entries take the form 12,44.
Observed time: 9,49
